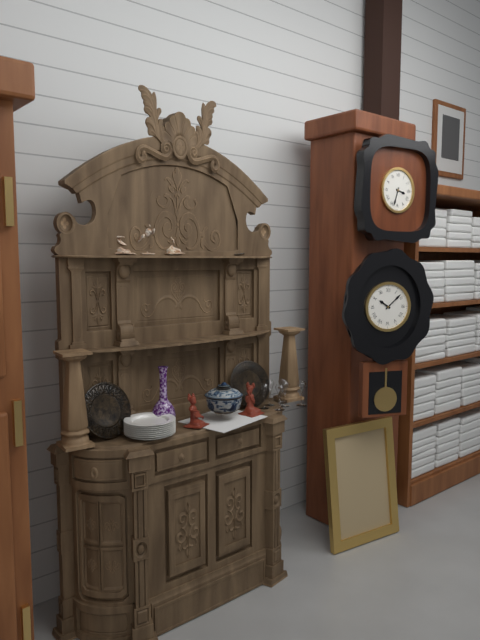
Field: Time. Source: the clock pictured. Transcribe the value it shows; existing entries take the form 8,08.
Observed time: 3,33
